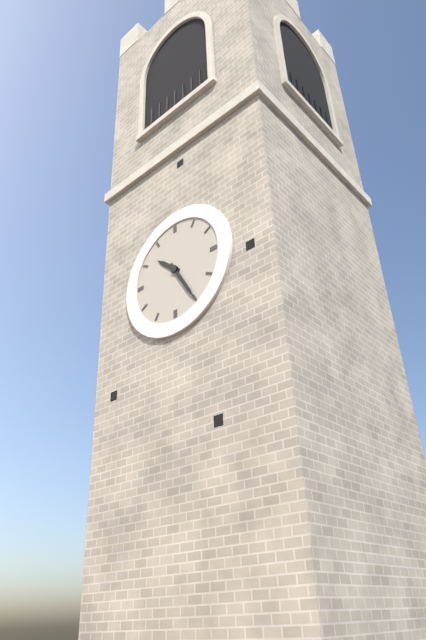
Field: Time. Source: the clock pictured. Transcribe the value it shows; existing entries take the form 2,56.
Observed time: 10,25
